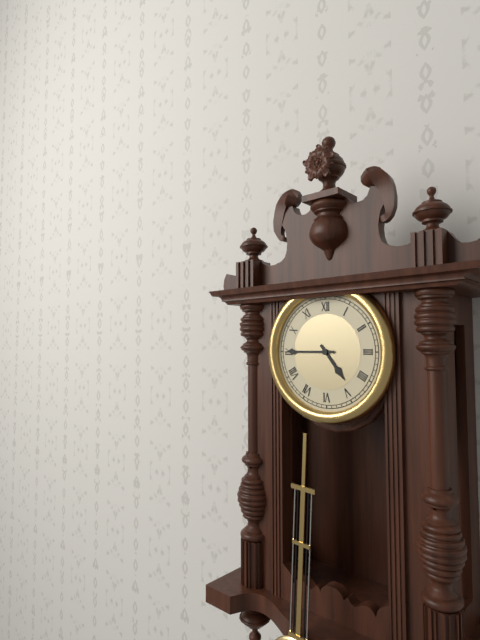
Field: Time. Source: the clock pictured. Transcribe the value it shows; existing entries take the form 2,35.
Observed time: 4,45
